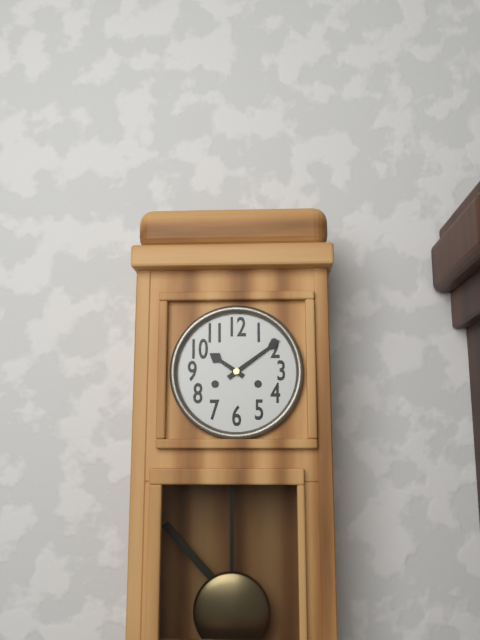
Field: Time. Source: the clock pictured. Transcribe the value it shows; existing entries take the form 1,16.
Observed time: 10,09
